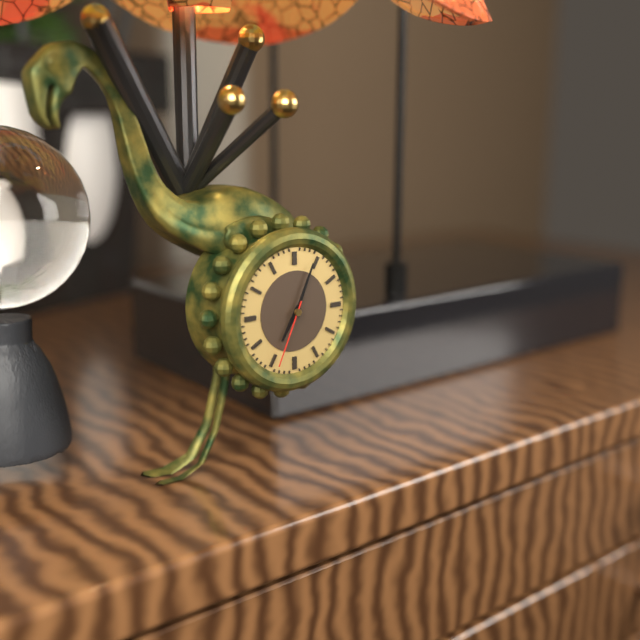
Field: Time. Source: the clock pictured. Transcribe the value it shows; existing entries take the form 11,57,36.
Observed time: 7,04,34
